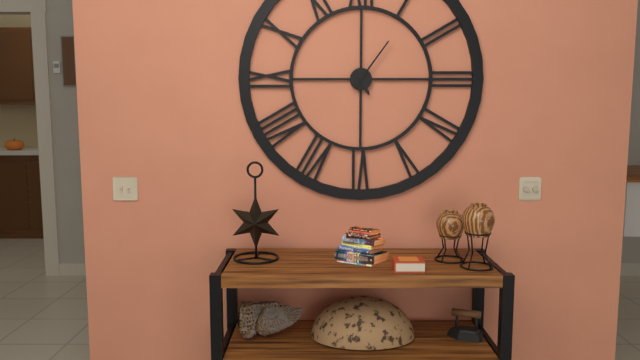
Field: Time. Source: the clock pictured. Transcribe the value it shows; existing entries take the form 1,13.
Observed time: 5,06
